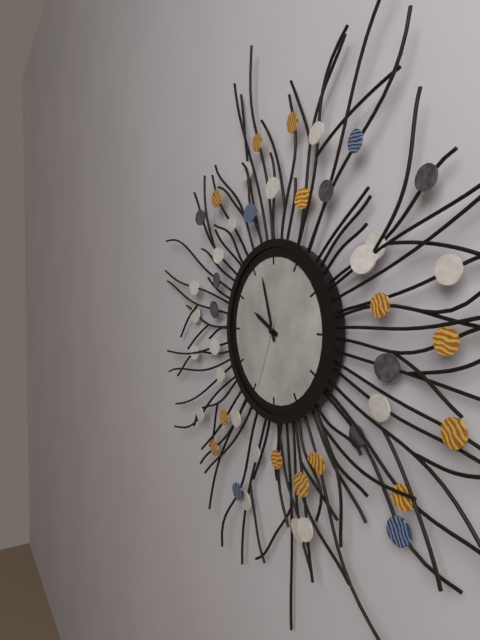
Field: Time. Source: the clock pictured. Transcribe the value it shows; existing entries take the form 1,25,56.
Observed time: 9,57,34
